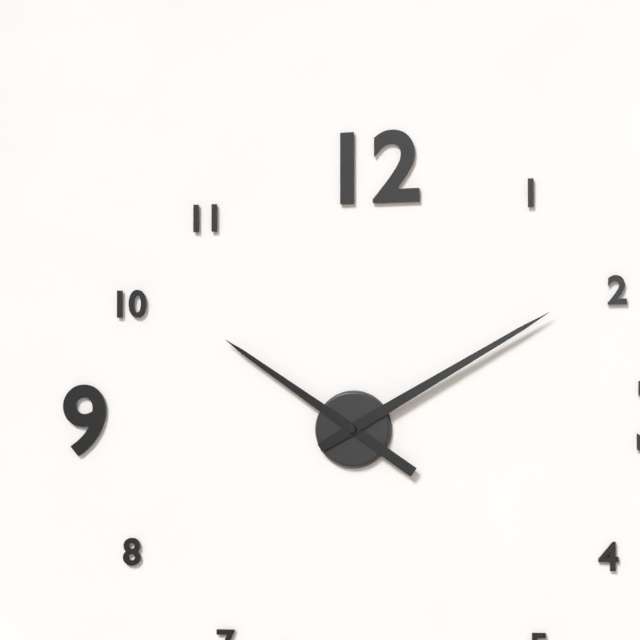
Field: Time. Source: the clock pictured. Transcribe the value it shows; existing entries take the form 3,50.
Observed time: 10,10
